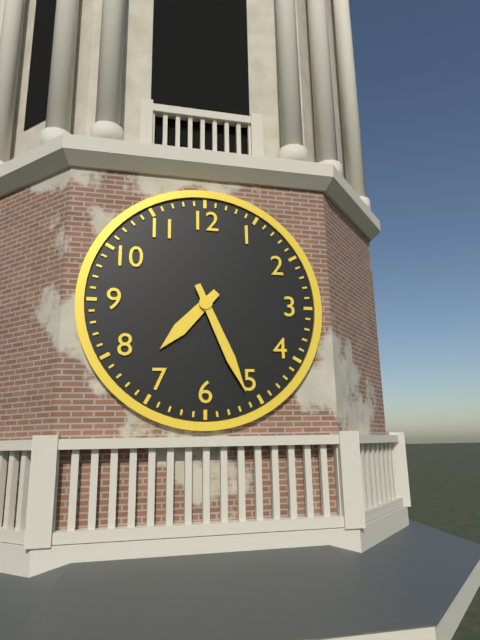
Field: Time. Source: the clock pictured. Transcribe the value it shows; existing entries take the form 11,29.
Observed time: 7,26
